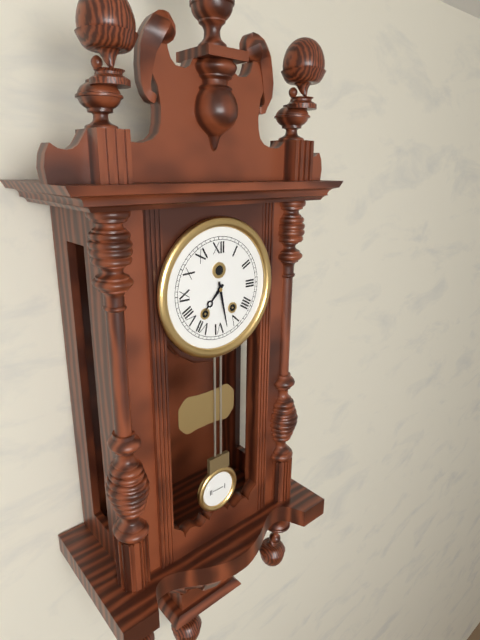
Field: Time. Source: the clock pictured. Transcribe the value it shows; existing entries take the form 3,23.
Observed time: 7,28
